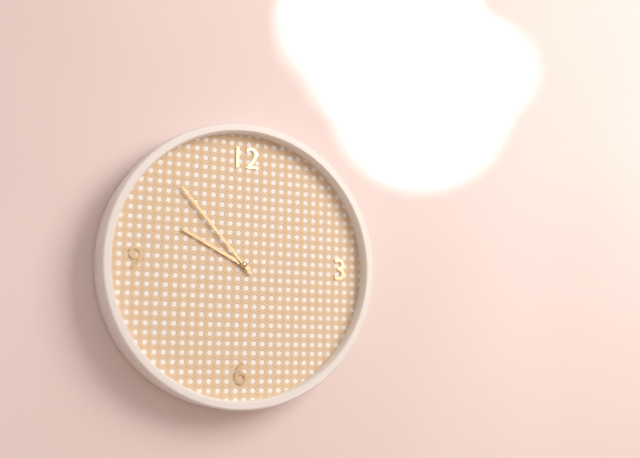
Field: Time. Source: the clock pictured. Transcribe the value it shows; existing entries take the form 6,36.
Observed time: 9,53
